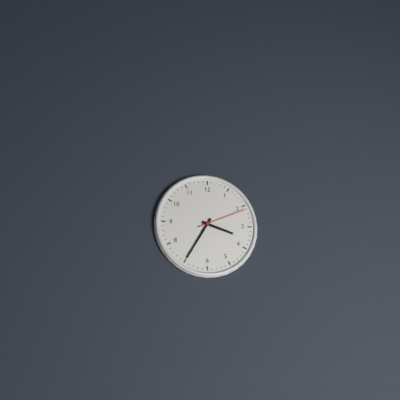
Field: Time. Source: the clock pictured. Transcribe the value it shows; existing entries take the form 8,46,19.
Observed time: 3,35,11
